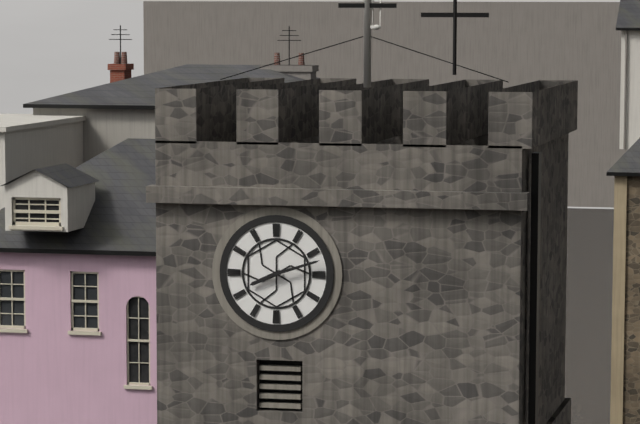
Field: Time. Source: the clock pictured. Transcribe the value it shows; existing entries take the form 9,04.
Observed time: 8,12
